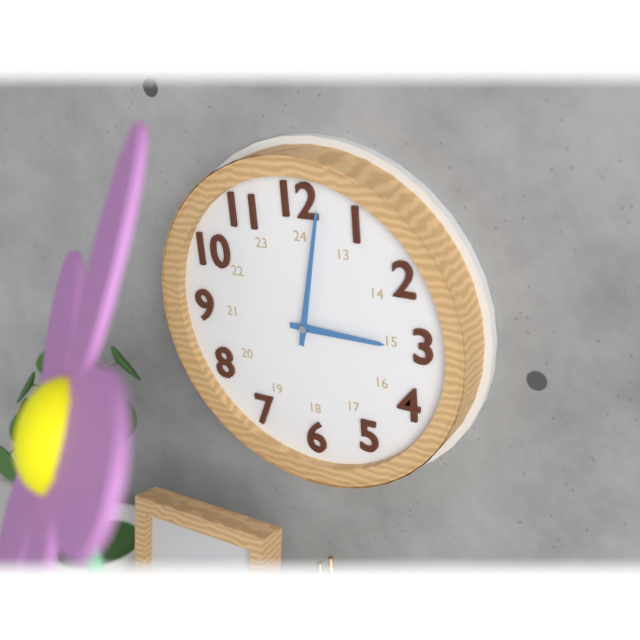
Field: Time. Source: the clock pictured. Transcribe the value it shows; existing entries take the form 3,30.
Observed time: 3,02
